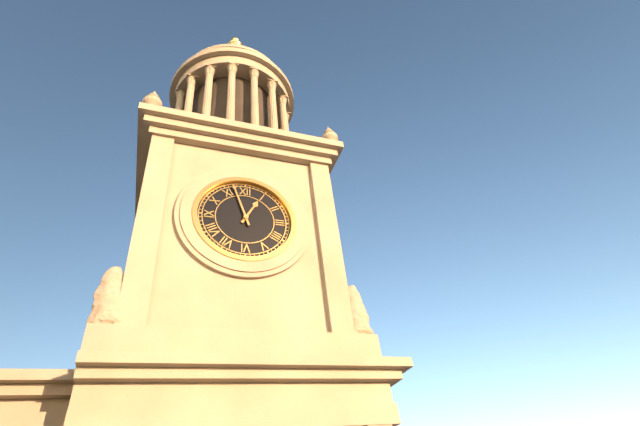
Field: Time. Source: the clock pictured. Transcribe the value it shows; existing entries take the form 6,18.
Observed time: 12,57
